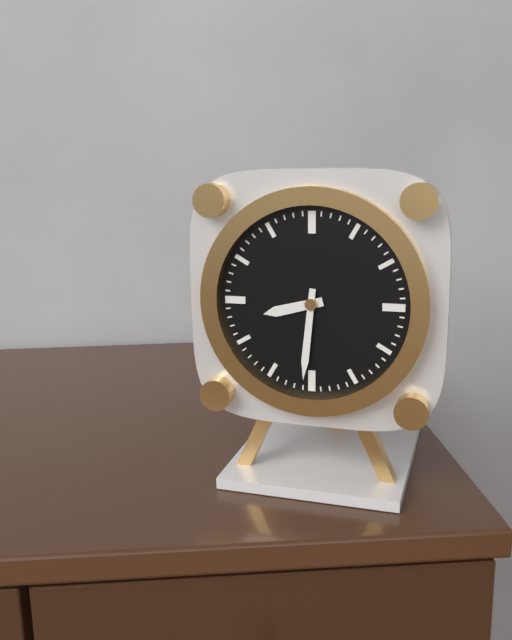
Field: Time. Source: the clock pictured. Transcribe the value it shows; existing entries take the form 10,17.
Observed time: 8,31
